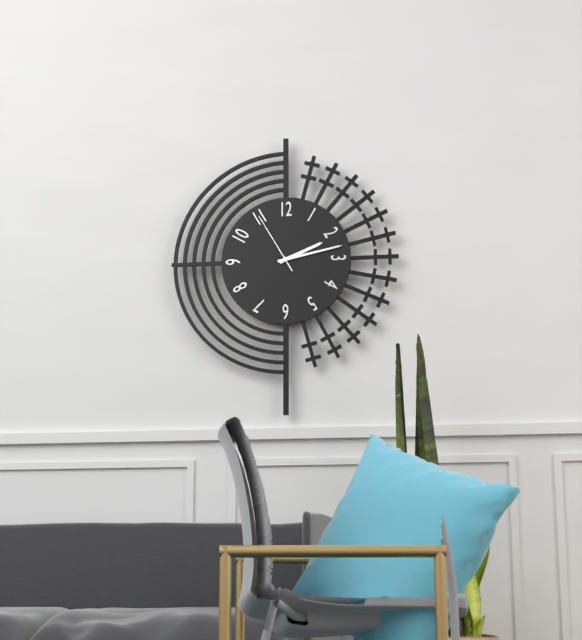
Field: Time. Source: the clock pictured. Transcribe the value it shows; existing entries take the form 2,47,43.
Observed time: 2,13,55
